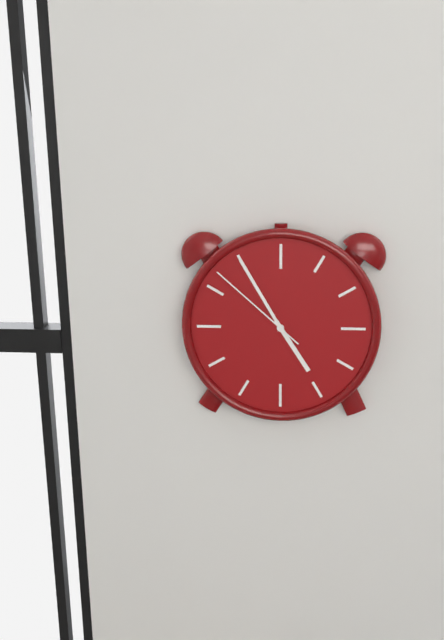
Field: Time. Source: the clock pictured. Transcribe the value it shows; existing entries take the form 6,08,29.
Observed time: 4,55,52
